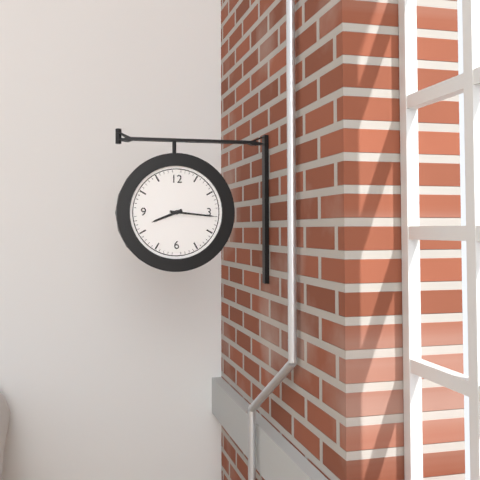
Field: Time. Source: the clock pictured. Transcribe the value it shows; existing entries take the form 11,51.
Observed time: 8,16
